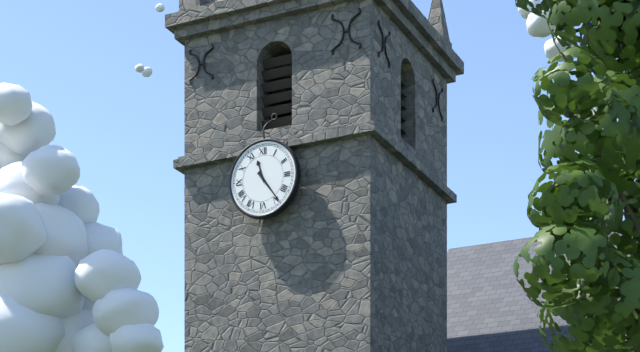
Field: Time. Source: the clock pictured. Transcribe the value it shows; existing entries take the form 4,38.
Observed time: 11,24
